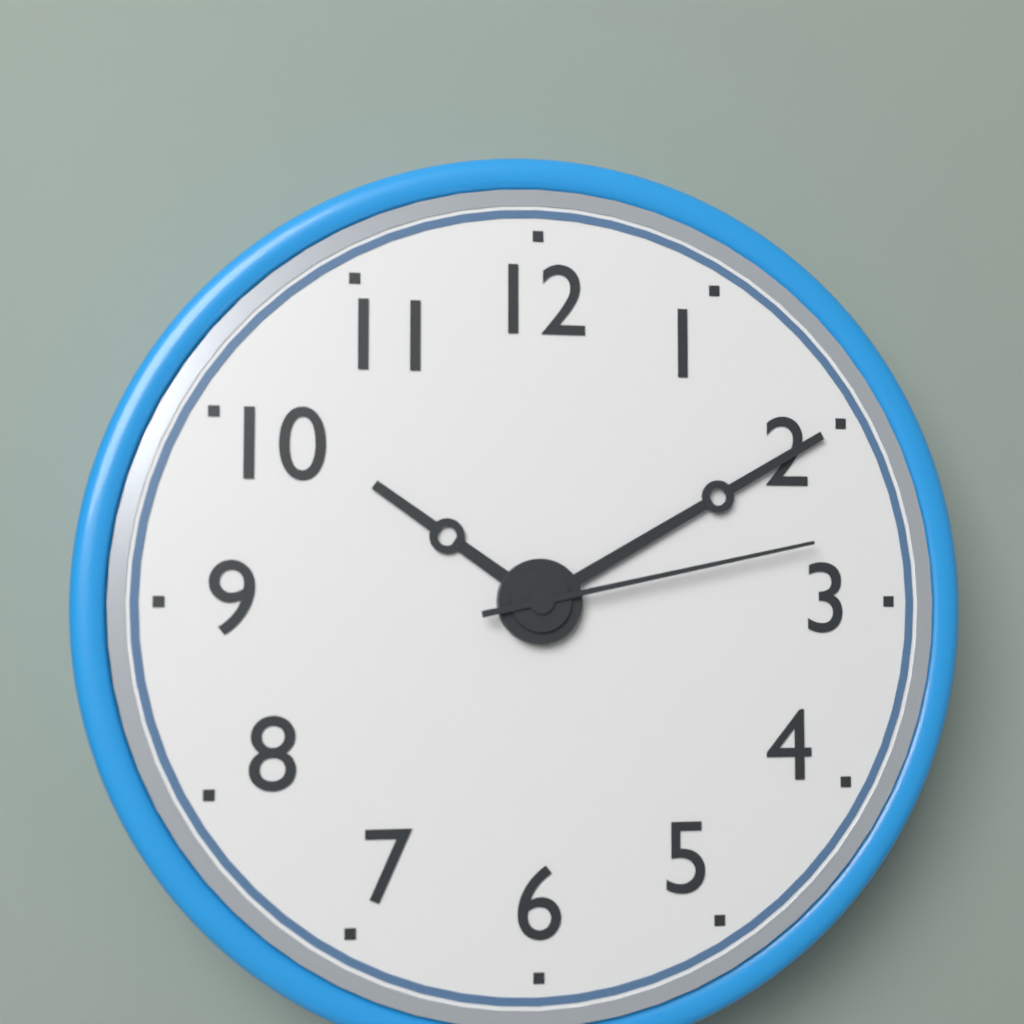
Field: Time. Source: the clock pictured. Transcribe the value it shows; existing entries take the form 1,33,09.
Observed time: 10,10,13
